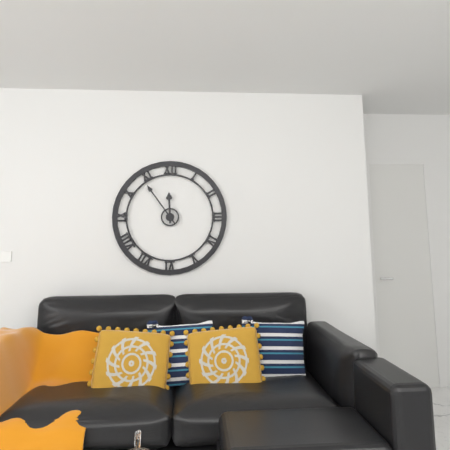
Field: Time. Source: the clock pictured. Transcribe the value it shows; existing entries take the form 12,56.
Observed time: 11,54
